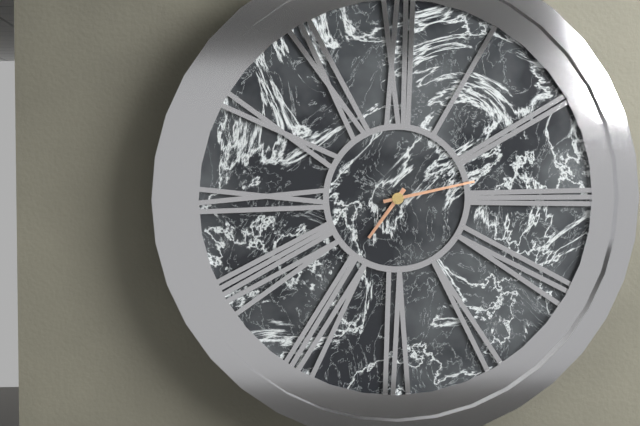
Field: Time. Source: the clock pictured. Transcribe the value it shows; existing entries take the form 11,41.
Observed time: 7,13
